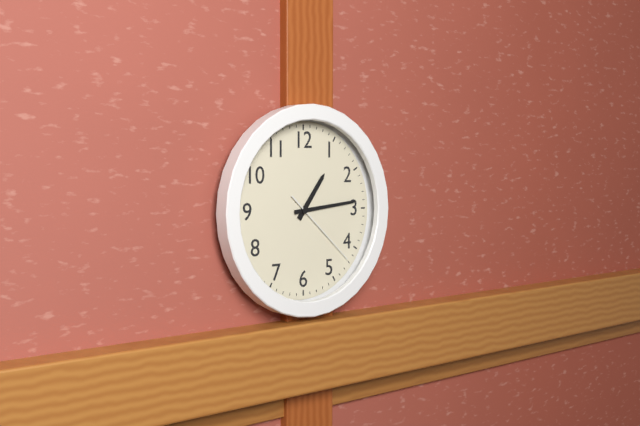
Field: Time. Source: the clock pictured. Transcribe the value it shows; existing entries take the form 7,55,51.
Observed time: 1,14,22
